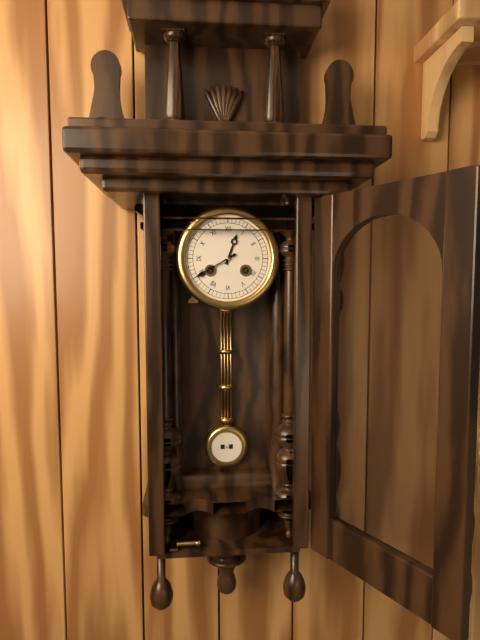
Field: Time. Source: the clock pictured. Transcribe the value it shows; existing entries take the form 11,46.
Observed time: 12,40
